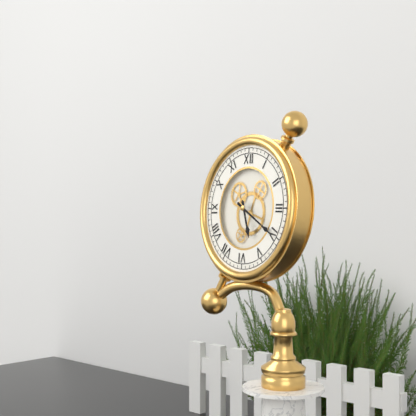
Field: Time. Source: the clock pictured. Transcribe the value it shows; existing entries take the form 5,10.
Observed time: 5,20
